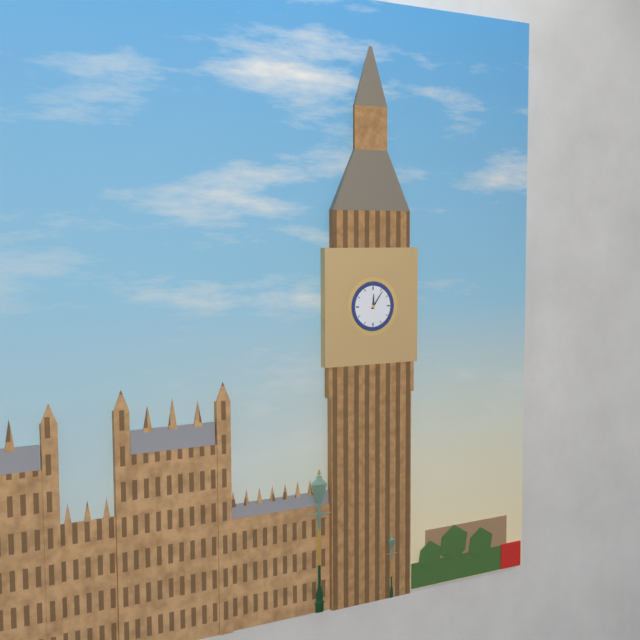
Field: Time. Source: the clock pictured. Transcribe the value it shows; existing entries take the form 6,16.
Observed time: 12,06
